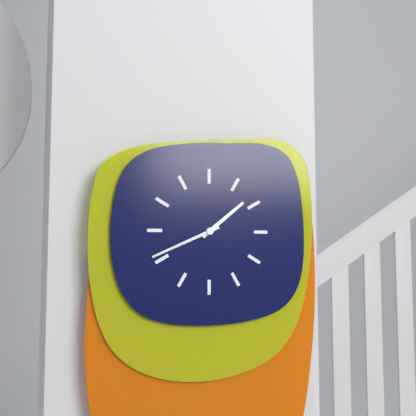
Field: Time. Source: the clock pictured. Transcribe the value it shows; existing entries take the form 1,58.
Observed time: 1,41
